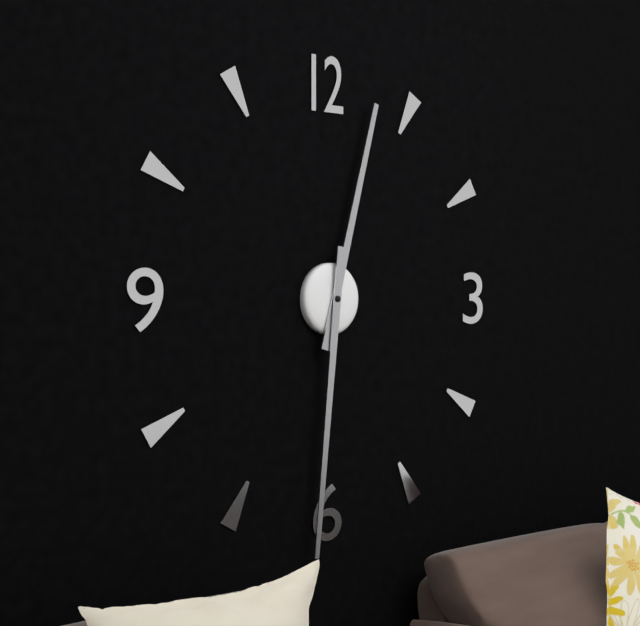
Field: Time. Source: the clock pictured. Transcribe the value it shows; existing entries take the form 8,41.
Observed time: 12,31
